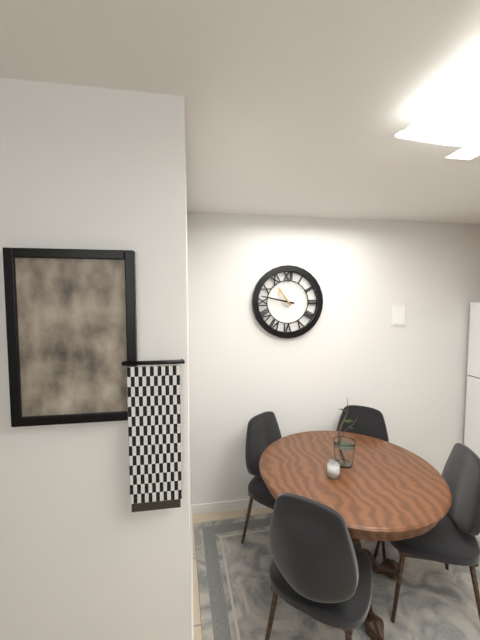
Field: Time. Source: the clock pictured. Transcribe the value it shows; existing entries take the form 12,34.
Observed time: 10,47
